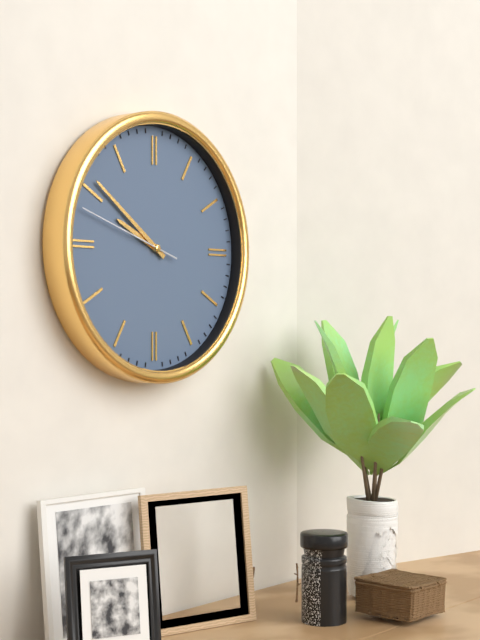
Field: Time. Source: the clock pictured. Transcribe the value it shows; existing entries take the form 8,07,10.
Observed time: 9,51,48
